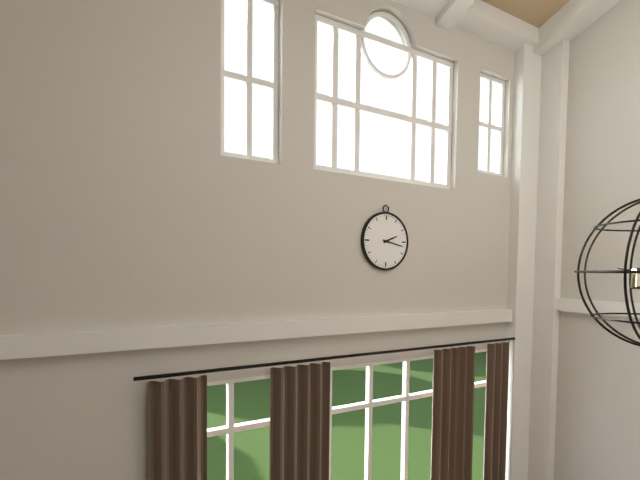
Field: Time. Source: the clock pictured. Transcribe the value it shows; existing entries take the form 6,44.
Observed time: 2,17
